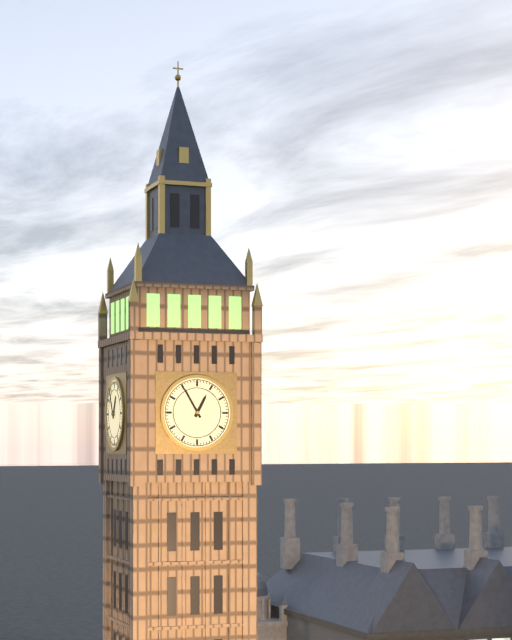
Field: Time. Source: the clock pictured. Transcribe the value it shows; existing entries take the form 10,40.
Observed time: 12,55
